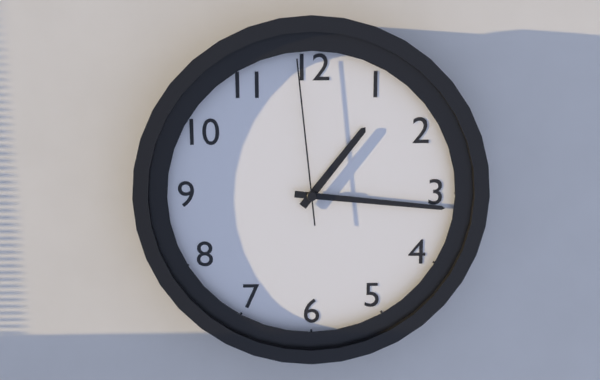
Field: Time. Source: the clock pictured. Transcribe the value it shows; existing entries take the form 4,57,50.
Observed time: 1,16,59
